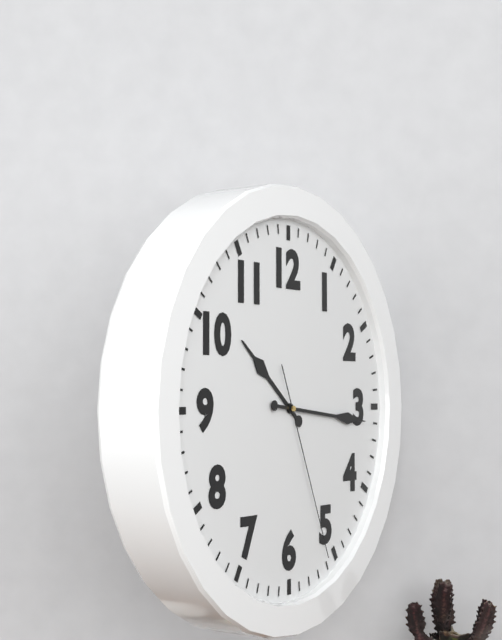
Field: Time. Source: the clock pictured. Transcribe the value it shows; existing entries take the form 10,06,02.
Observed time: 10,16,26
